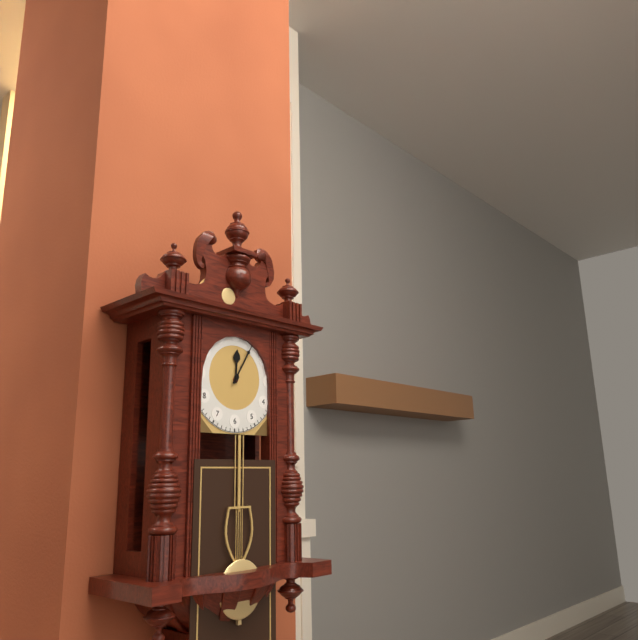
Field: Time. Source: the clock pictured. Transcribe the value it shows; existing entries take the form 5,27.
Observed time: 12,05
